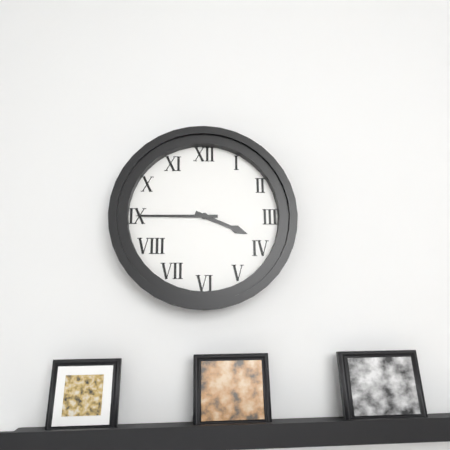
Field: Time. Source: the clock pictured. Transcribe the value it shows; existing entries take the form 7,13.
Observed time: 3,45
